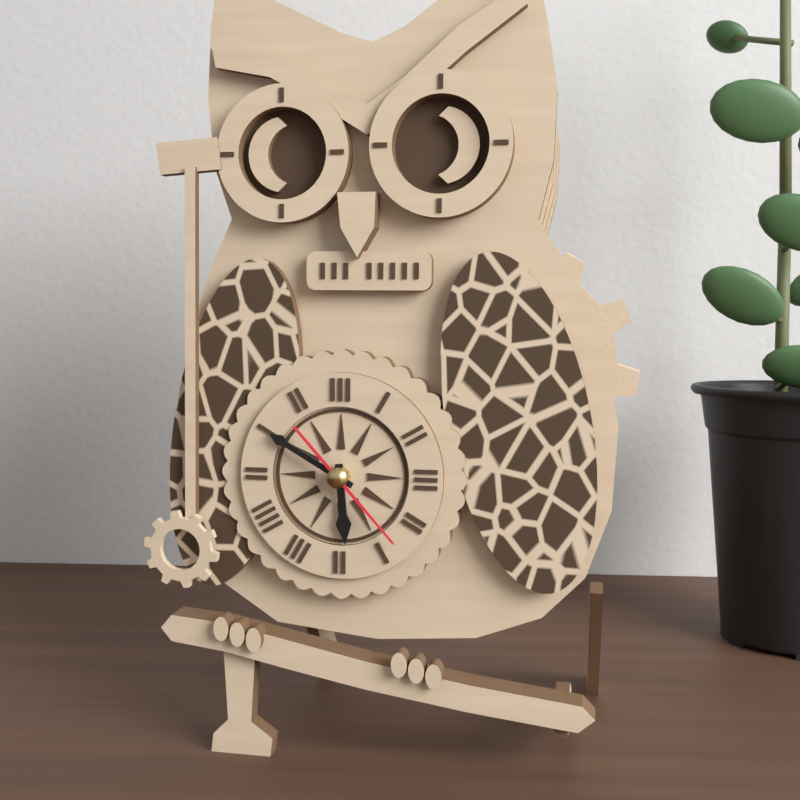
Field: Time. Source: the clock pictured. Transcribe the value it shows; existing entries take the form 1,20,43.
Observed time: 5,50,23
